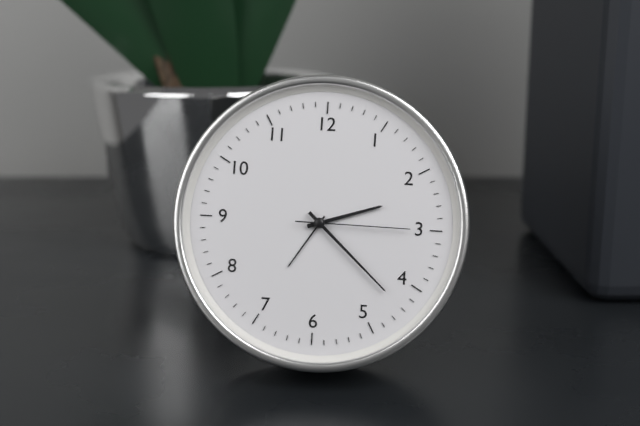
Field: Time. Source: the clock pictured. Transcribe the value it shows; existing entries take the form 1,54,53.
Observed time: 2,22,15
